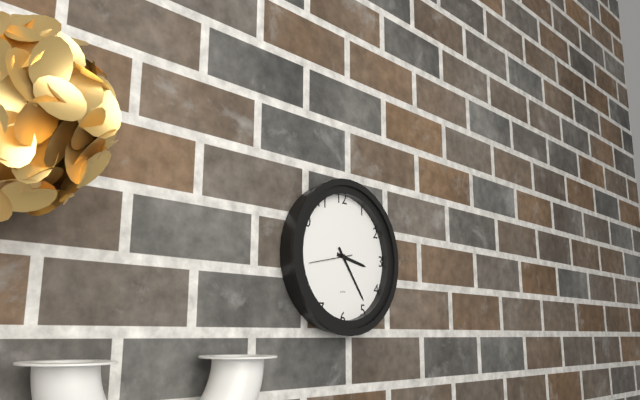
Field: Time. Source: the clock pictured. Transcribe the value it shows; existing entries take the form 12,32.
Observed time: 3,24
